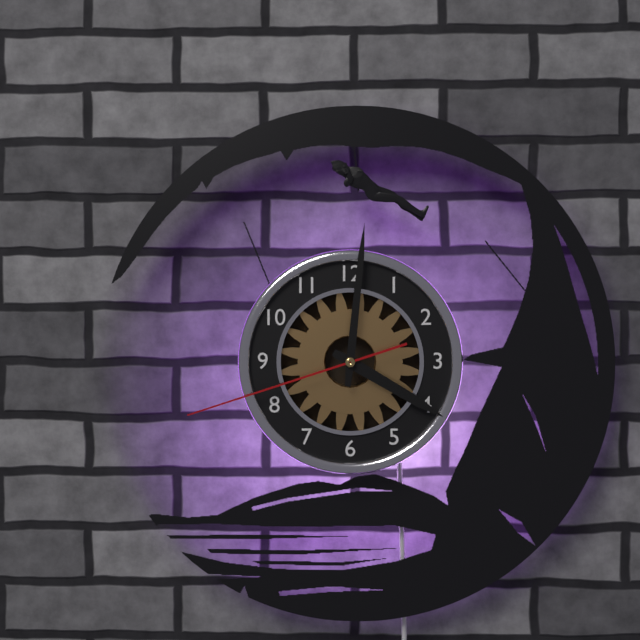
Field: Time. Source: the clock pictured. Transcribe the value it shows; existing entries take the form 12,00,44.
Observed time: 4,01,42
